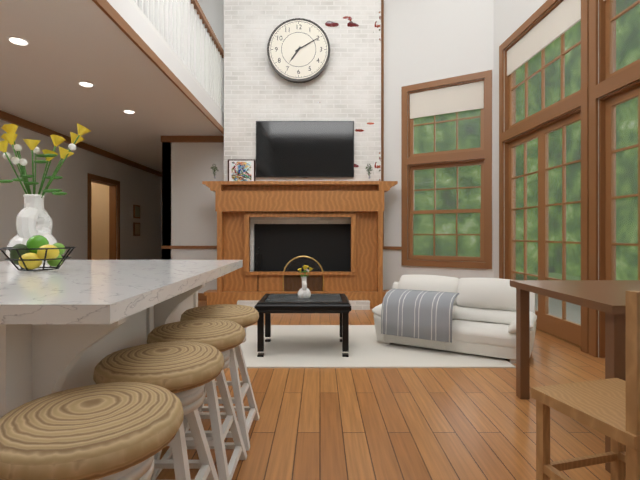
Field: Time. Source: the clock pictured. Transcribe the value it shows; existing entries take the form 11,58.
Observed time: 7,10
